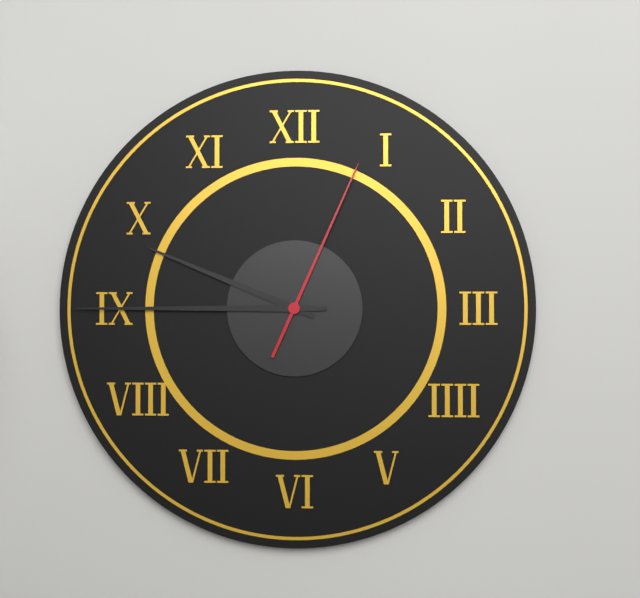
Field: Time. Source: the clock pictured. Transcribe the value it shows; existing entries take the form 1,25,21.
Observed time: 9,45,04
